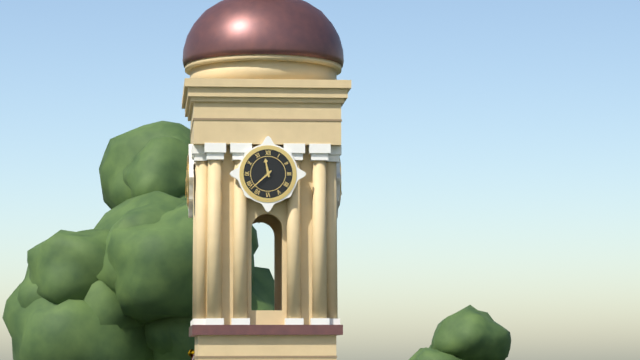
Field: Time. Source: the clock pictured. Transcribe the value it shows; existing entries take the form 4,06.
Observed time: 11,38
